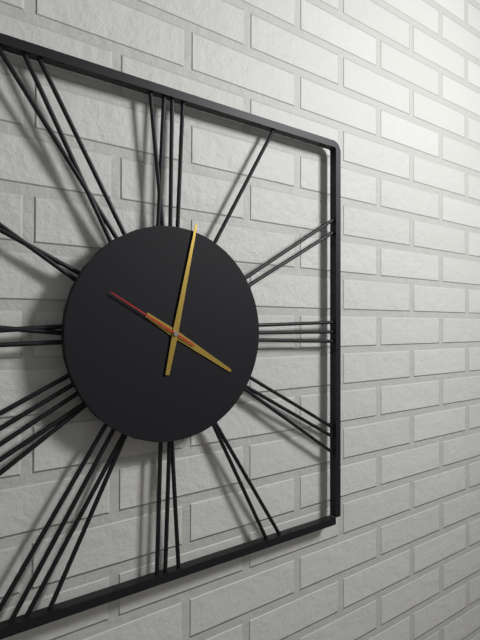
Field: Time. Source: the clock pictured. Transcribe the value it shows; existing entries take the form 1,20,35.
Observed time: 4,02,50
